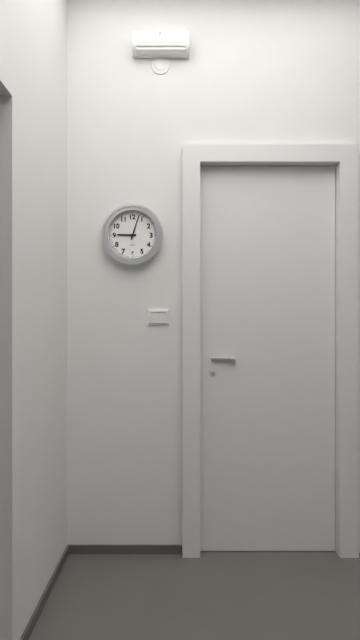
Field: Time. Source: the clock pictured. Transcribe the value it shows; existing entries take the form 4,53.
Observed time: 9,03
